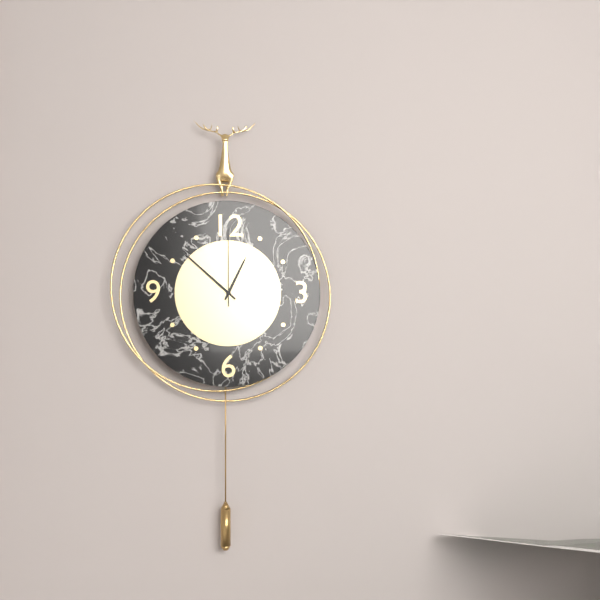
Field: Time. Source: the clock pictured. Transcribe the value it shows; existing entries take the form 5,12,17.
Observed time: 12,52,00
